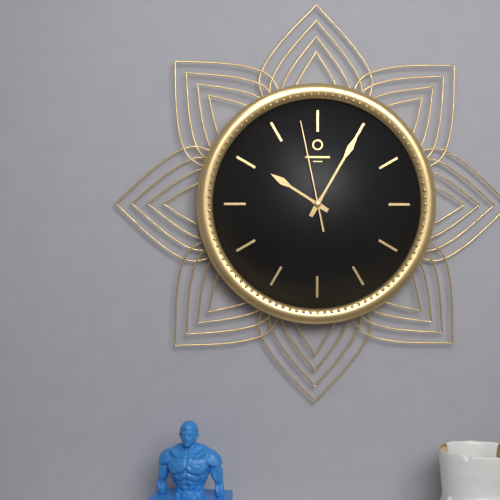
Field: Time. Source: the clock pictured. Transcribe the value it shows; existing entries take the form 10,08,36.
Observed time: 10,05,58
